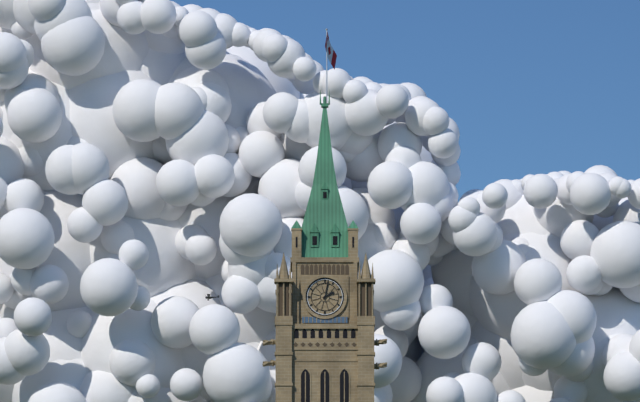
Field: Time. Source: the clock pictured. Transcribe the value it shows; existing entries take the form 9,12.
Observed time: 2,02
